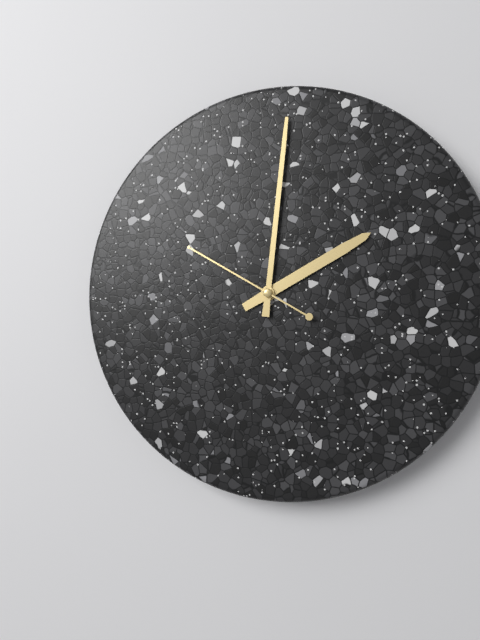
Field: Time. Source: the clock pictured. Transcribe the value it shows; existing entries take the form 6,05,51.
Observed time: 2,01,50
